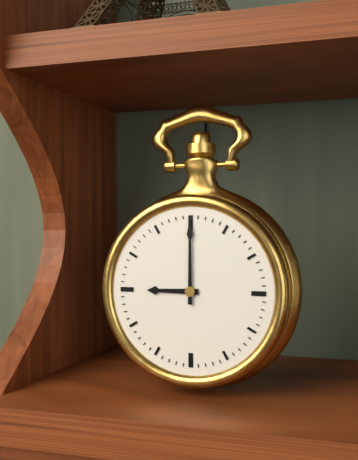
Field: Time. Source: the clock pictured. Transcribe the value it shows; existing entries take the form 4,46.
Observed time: 9,00
